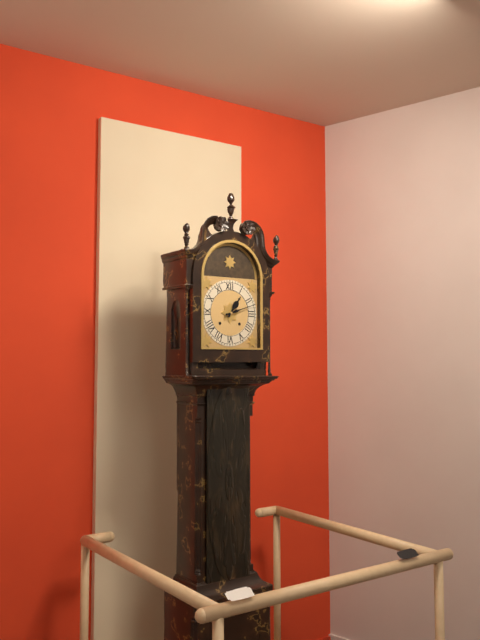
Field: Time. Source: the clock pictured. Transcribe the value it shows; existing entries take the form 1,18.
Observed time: 1,12
